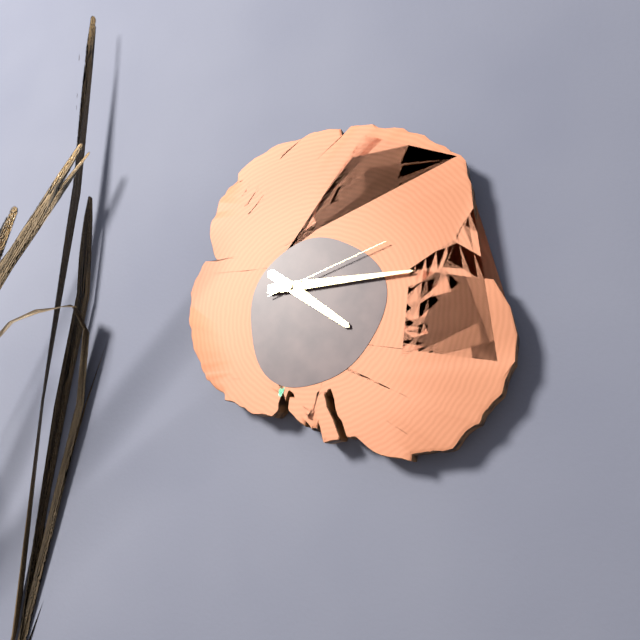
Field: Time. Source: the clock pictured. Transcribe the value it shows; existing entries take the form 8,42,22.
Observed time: 4,15,12
